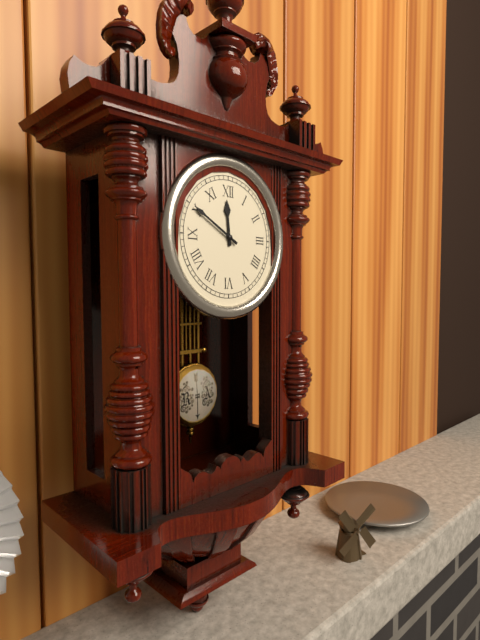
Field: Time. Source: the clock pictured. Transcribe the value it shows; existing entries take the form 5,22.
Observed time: 11,50
